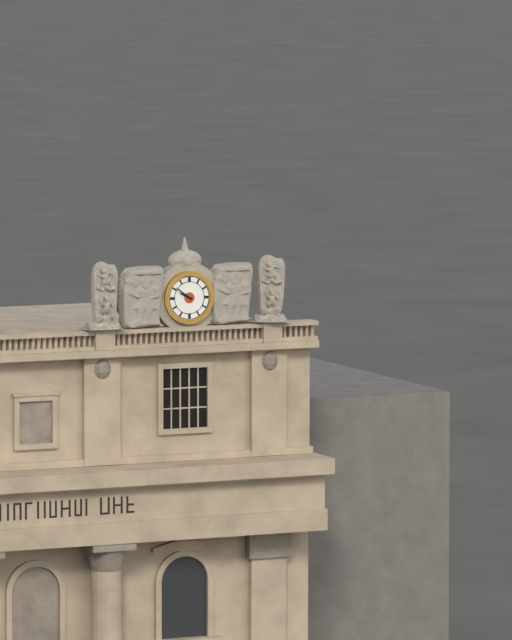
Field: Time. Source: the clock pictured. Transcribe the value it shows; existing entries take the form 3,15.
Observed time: 9,51
